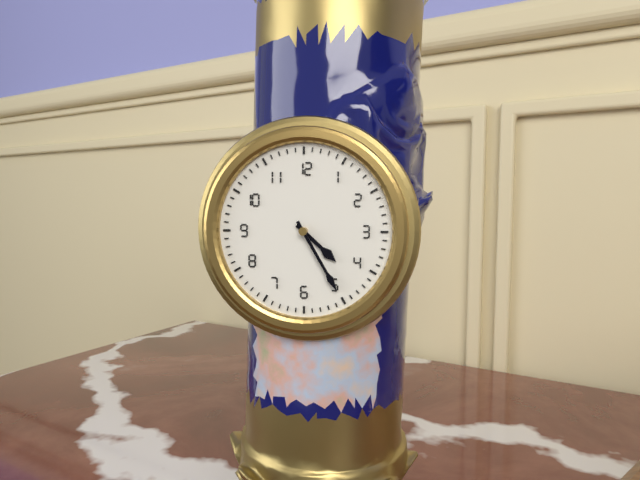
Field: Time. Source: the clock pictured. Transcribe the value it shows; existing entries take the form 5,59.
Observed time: 4,25
